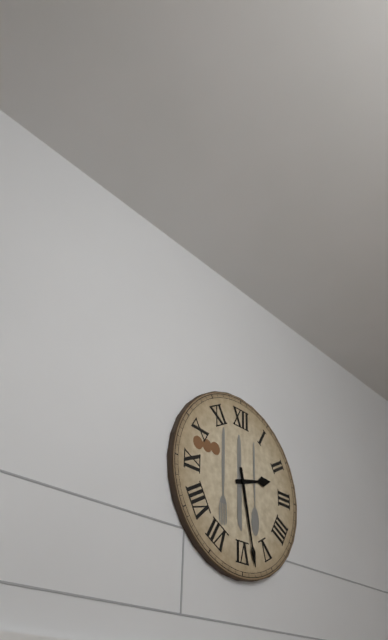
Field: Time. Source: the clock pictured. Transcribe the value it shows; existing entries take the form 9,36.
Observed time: 2,28
